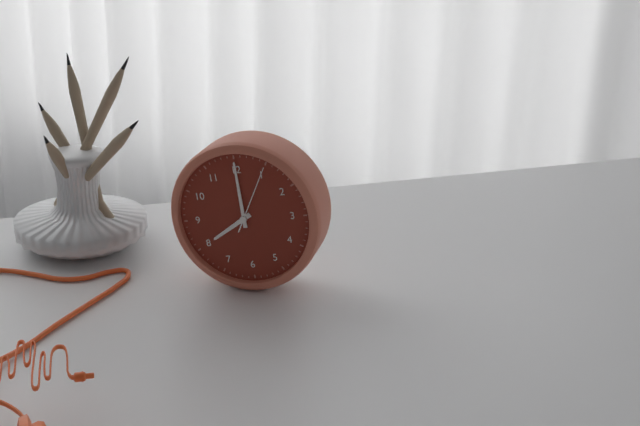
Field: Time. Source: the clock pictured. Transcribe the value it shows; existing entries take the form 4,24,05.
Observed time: 8,00,05
